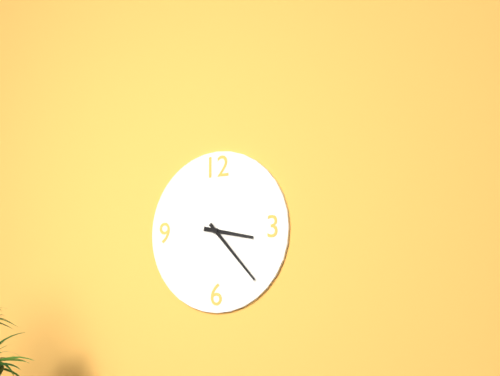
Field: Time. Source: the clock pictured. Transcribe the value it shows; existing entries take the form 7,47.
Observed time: 3,23
